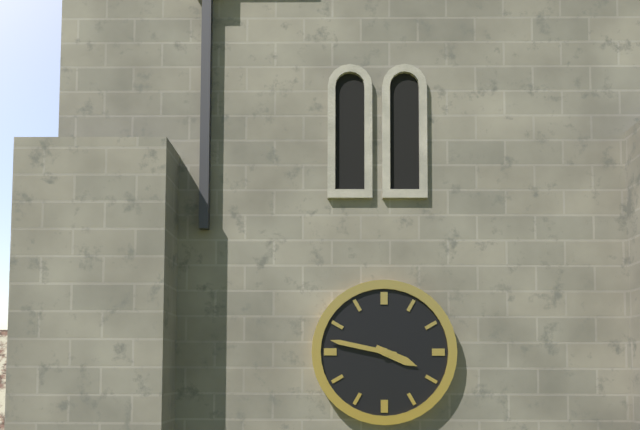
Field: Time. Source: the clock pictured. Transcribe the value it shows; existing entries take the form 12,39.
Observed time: 3,47
